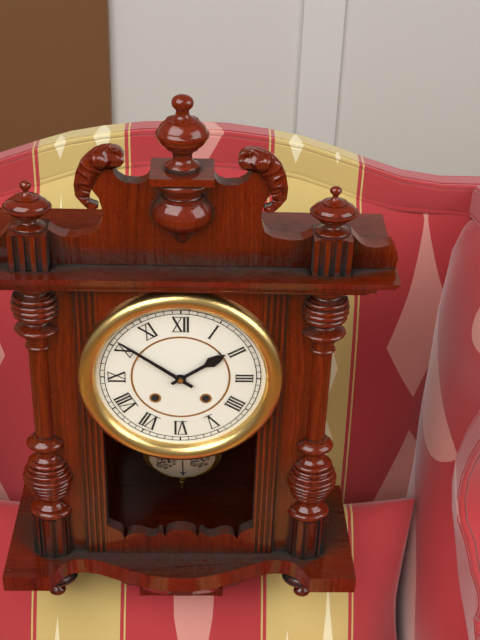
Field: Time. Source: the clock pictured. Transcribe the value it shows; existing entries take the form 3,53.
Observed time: 1,51
